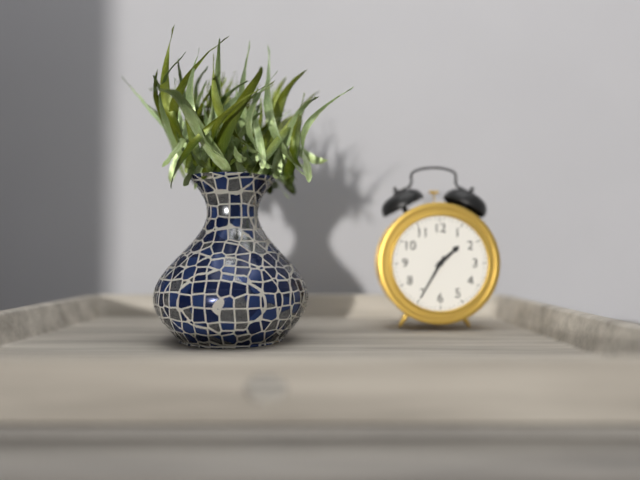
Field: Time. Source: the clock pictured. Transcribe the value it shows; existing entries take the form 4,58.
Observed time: 1,35
